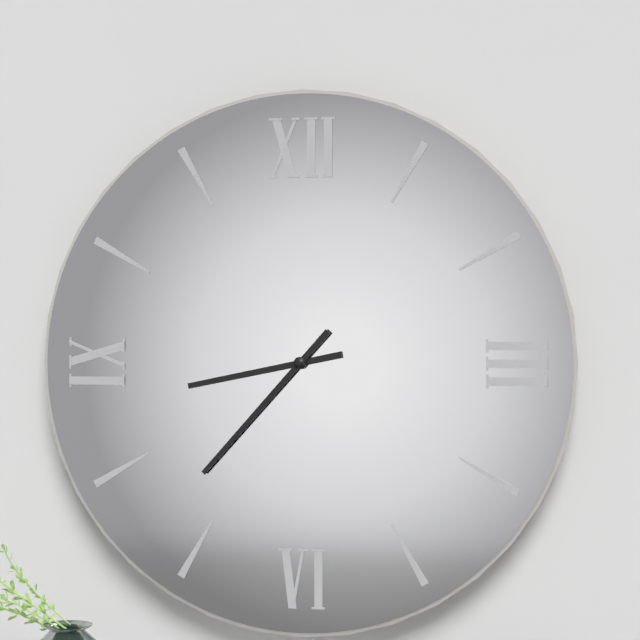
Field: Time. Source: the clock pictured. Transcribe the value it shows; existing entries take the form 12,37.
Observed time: 8,37
